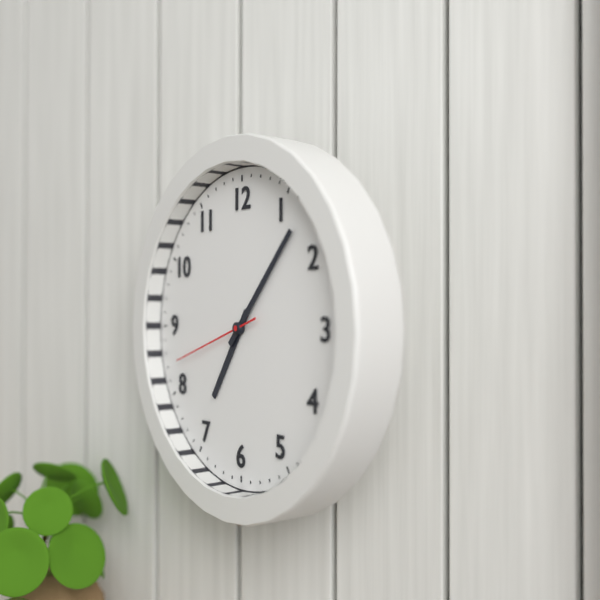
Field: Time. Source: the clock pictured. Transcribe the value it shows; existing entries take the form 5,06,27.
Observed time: 7,07,42
